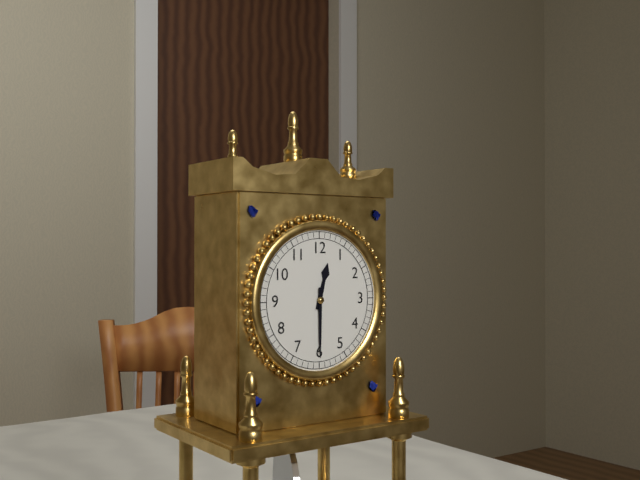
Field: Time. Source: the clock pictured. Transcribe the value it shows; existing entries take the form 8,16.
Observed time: 12,30
